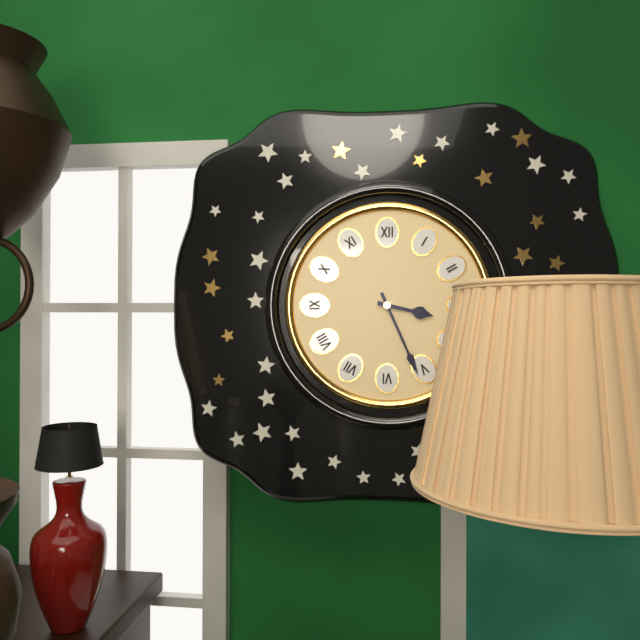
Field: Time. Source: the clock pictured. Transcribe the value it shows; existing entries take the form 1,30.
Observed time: 3,26
